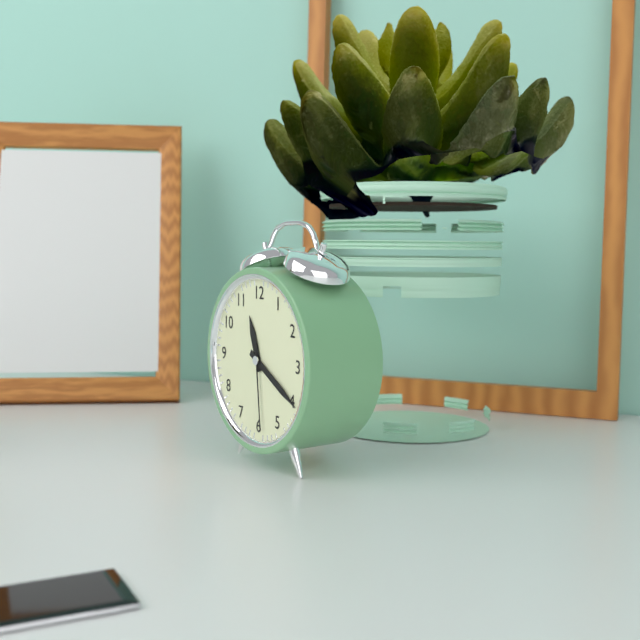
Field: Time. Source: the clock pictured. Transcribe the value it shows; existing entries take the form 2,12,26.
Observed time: 11,20,29
